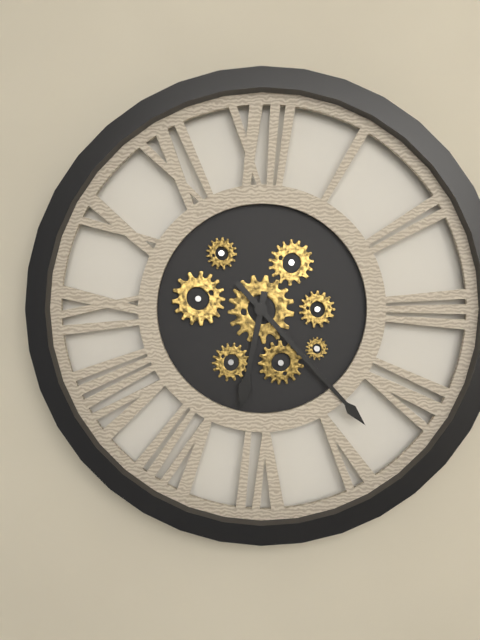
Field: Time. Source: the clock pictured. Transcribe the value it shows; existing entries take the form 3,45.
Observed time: 6,23
